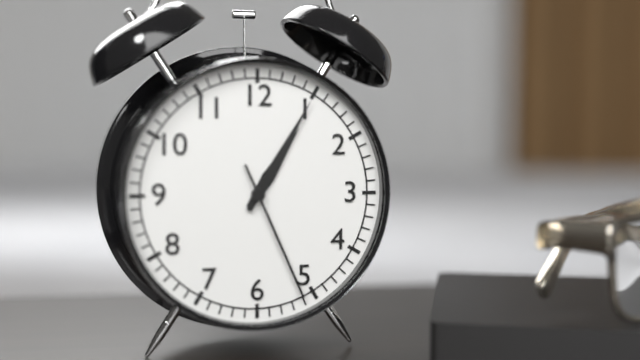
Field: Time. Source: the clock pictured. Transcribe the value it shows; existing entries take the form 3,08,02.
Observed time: 1,05,26
